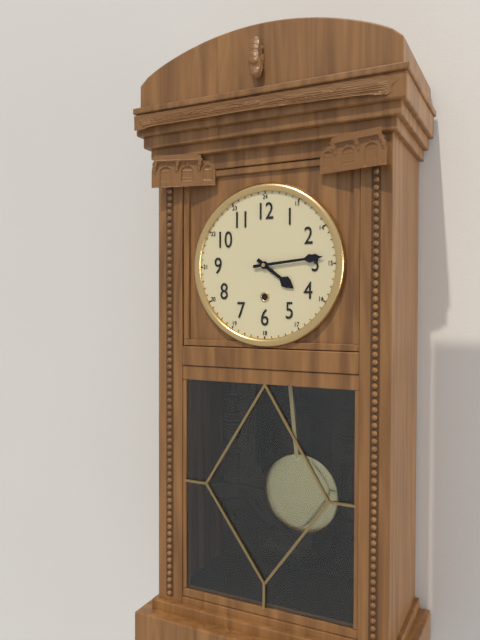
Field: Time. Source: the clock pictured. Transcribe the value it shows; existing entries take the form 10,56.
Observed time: 4,14
